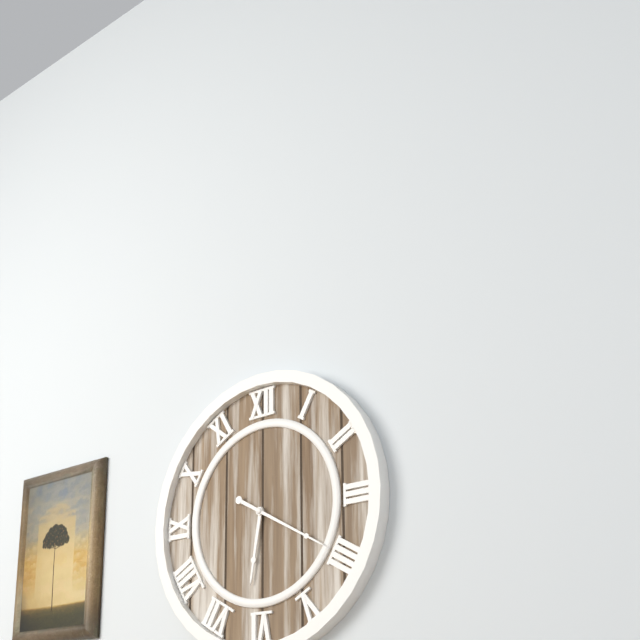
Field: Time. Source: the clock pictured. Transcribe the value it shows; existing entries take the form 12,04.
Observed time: 6,20
